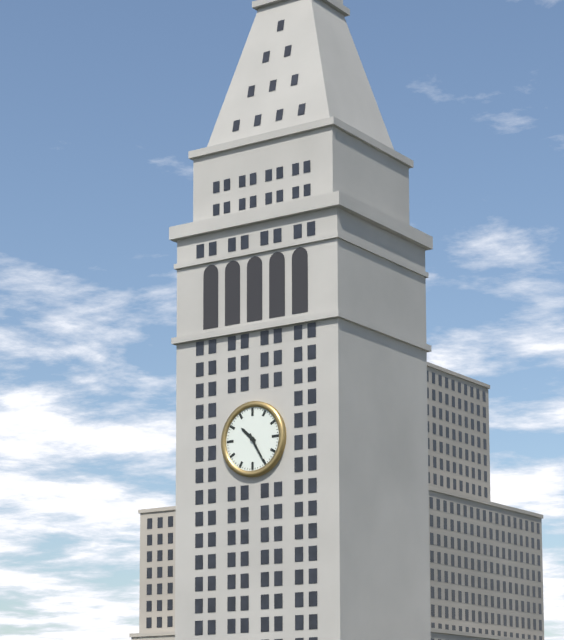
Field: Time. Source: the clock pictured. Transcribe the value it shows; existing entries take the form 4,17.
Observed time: 10,25
